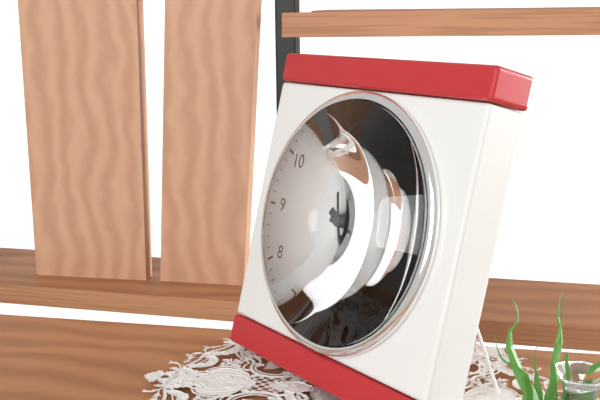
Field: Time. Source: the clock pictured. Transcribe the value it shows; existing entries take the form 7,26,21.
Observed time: 3,20,27
